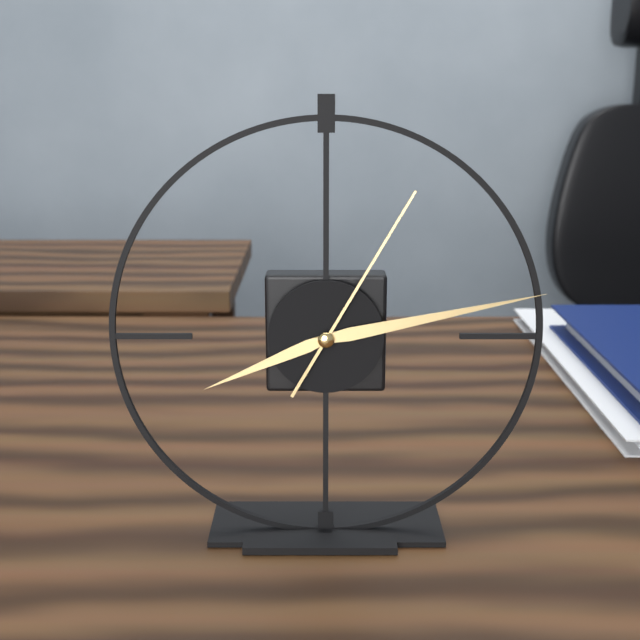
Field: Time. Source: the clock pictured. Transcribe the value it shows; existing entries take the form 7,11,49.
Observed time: 8,13,05
